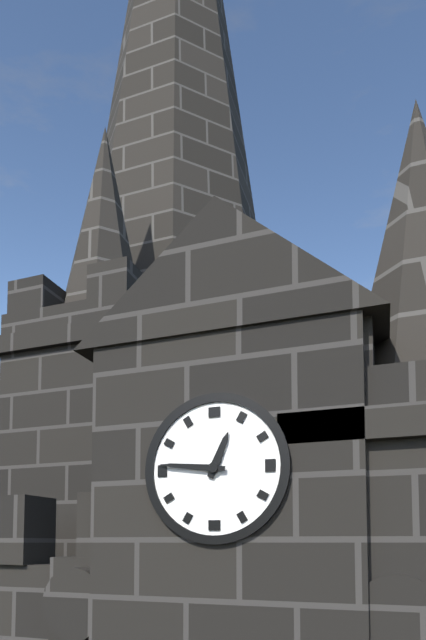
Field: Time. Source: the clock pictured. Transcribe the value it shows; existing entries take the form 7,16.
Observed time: 12,46
